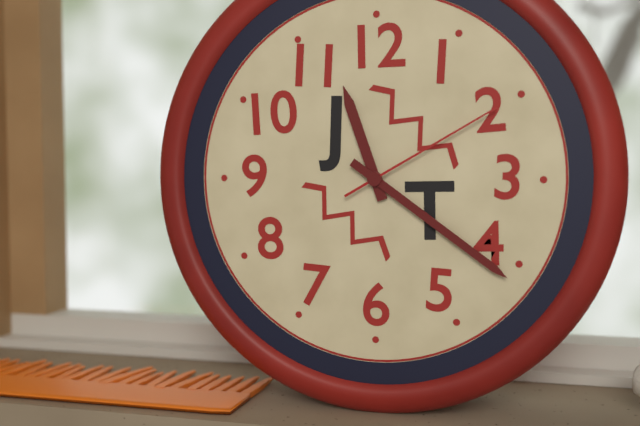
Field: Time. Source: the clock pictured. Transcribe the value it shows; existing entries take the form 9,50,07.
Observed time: 11,21,10
